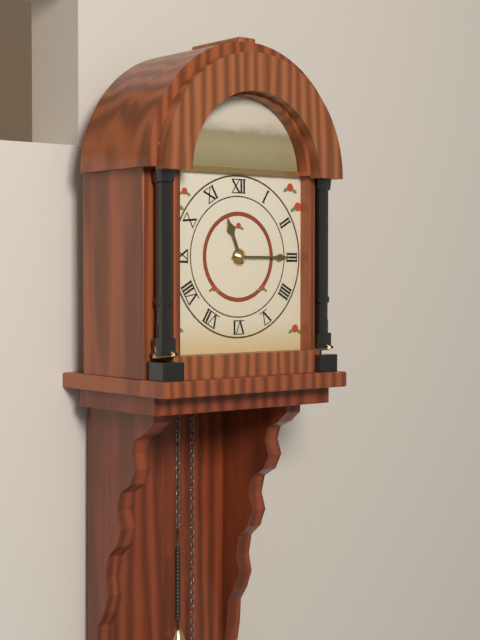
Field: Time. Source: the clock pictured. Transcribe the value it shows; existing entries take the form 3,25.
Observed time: 11,15
